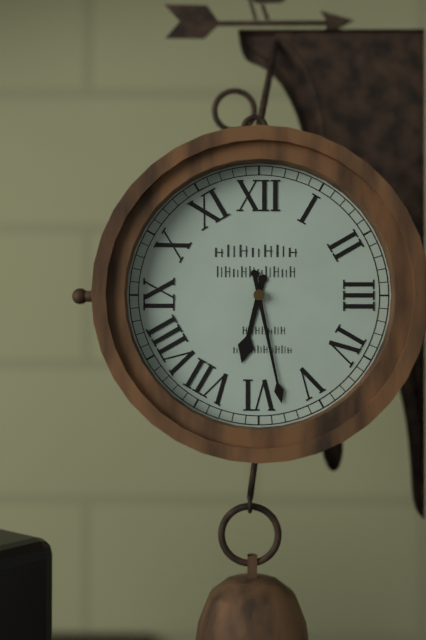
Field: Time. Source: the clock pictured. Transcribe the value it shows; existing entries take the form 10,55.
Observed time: 6,28
